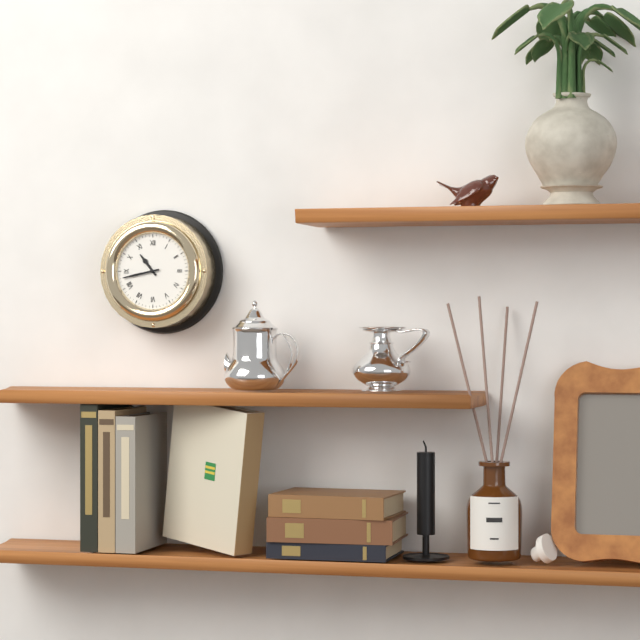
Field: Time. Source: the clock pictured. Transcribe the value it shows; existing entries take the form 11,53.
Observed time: 10,43
